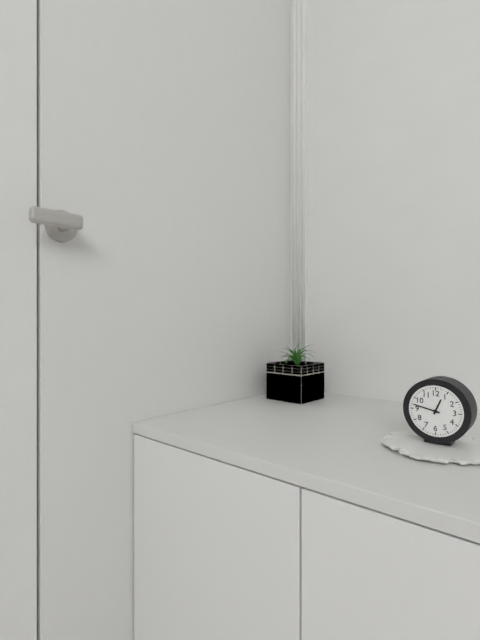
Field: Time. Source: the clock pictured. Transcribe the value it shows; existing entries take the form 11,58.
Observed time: 12,47
